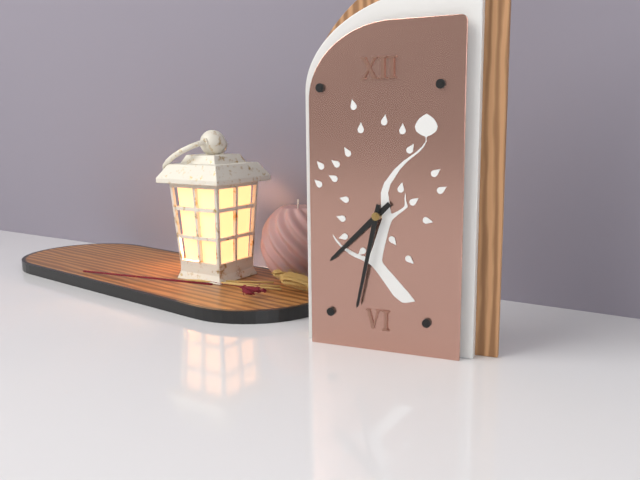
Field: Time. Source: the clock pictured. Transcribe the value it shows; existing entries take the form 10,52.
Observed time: 7,32
